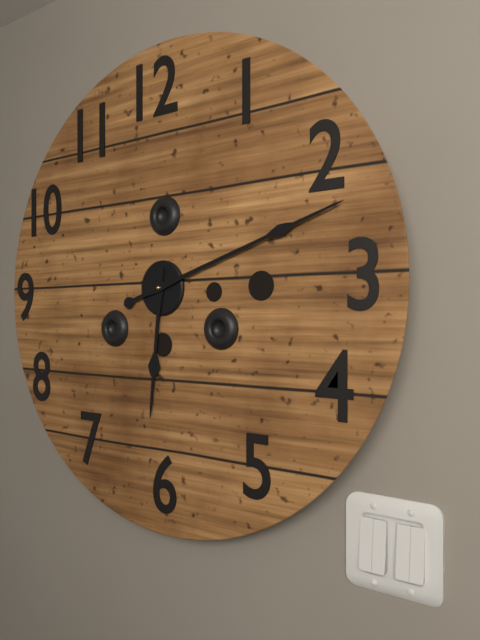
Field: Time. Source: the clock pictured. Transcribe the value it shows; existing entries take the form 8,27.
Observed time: 6,12
